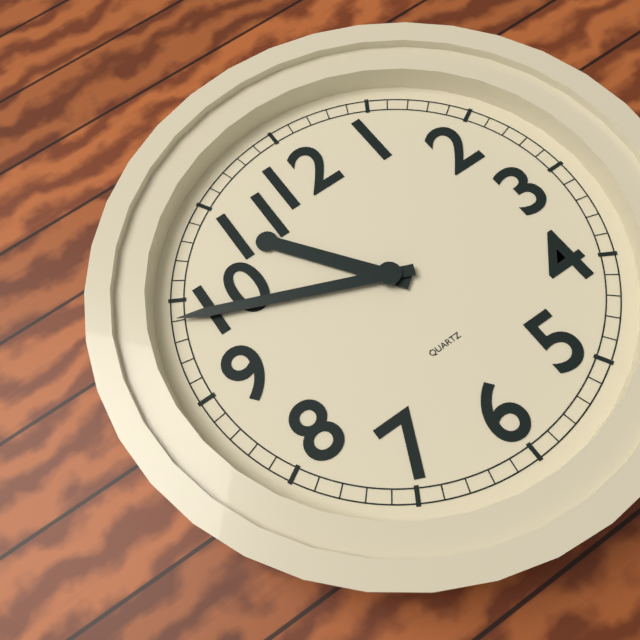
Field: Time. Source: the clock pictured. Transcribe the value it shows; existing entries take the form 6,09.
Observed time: 10,49
